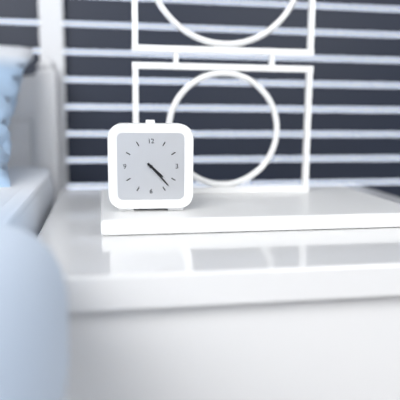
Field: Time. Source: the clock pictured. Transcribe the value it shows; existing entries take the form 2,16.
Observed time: 4,23
